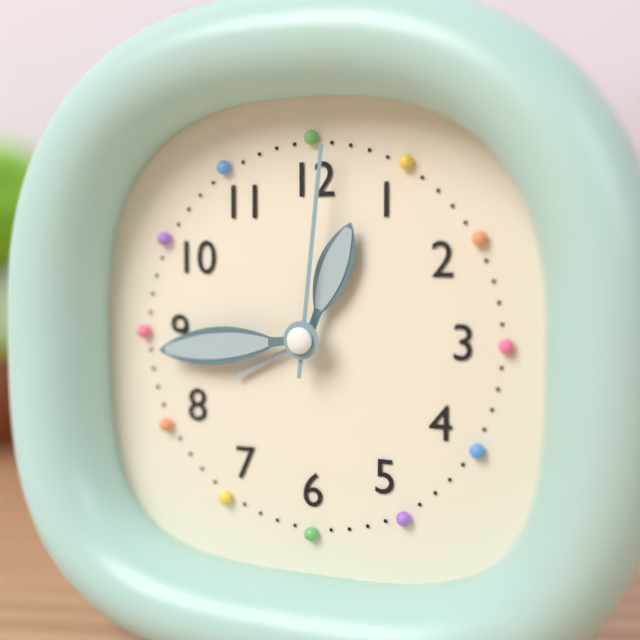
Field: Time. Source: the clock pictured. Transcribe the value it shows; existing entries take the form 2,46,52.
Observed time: 12,44,01
